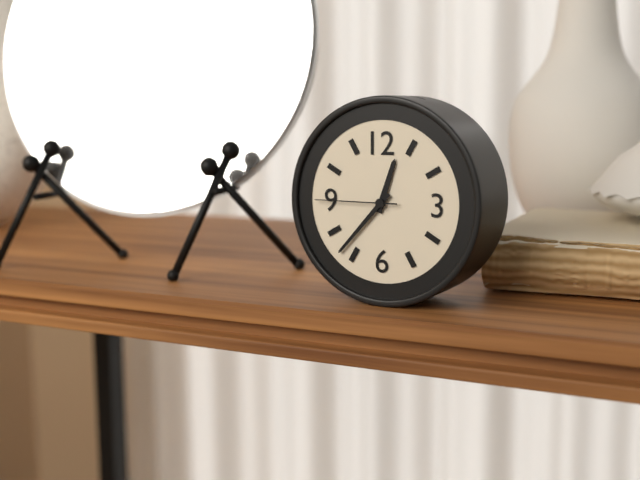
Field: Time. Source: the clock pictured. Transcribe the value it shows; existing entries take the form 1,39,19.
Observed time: 12,37,45
